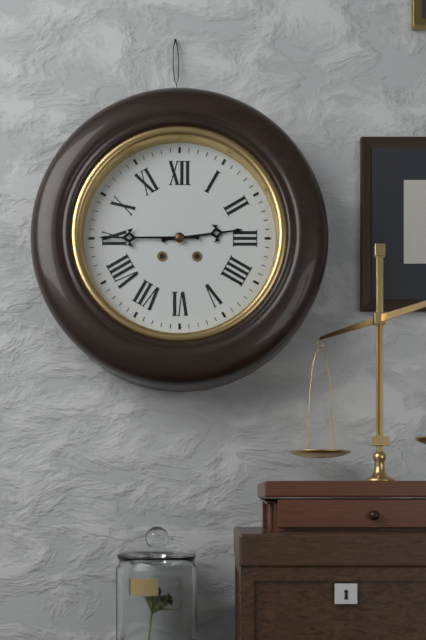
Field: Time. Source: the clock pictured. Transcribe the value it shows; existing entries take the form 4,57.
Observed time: 2,45
